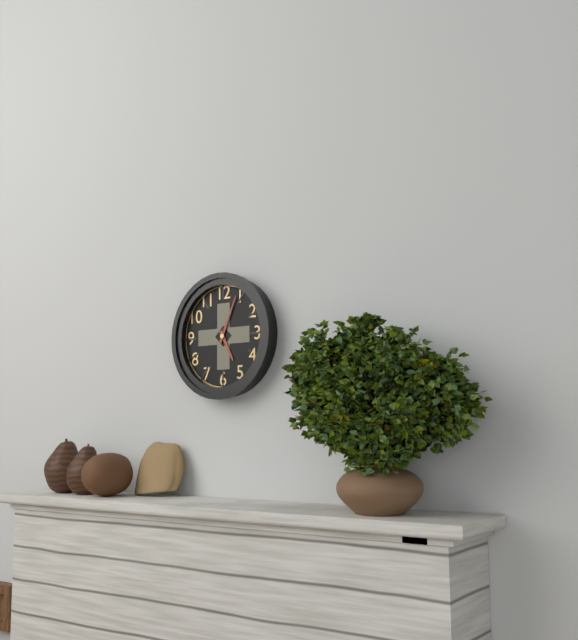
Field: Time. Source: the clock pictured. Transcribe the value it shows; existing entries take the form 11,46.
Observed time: 5,04
